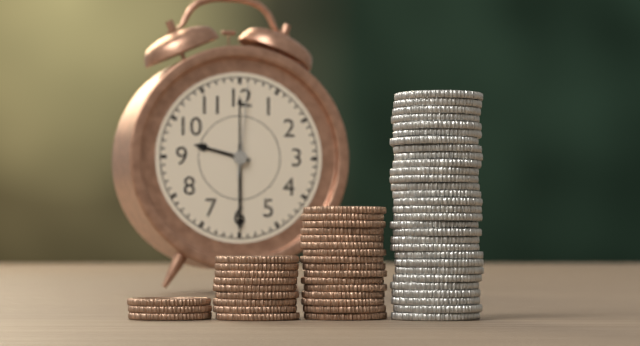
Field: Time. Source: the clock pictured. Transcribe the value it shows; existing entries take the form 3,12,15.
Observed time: 9,30,01
